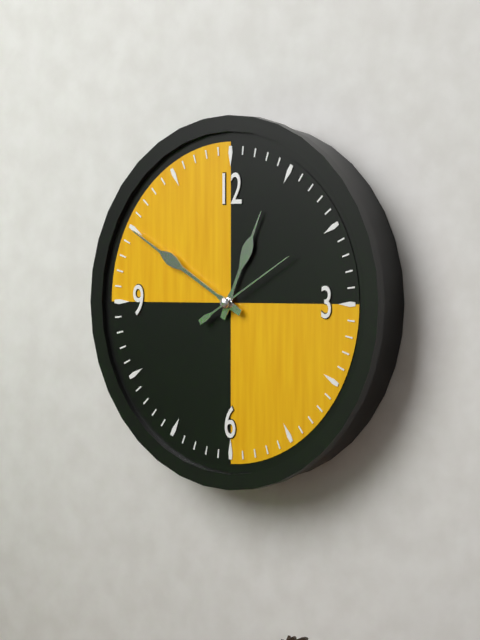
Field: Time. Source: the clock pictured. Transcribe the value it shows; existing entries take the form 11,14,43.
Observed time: 12,50,10
